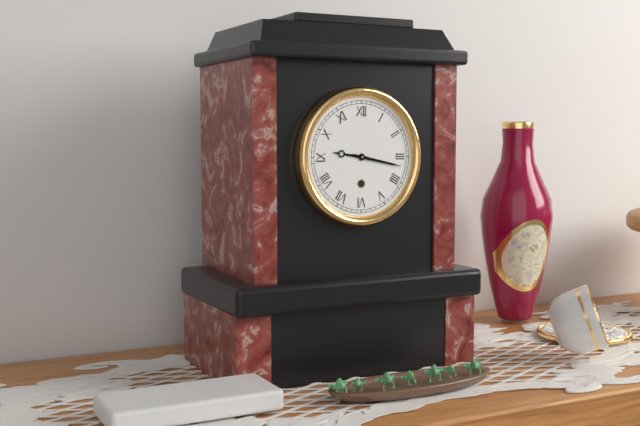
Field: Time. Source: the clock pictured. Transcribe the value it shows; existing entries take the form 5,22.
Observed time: 9,17
